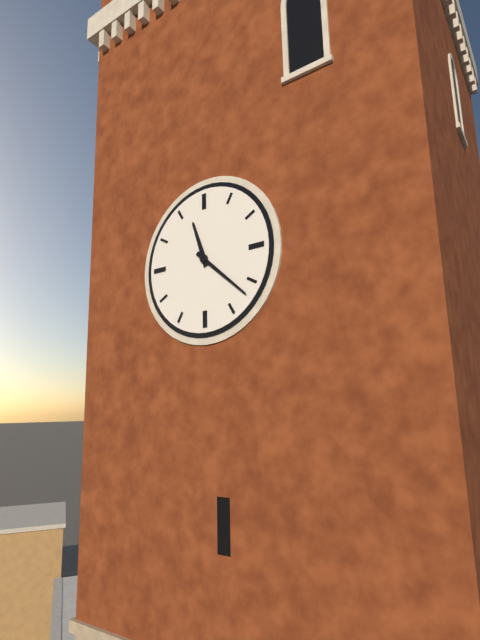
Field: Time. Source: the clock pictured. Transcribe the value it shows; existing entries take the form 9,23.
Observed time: 11,22
